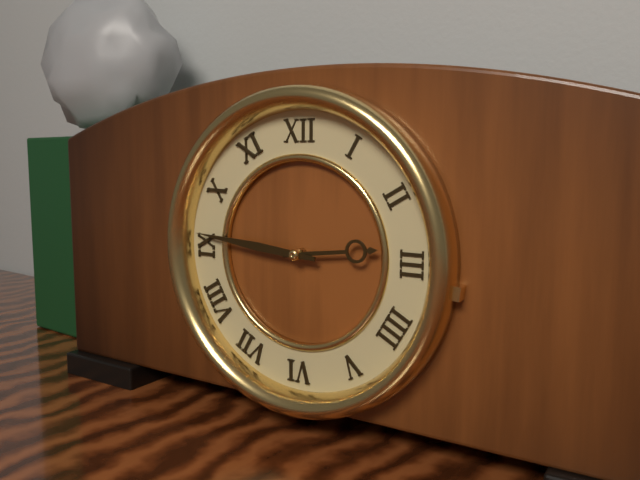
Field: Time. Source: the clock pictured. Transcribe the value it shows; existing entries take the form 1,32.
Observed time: 2,46
